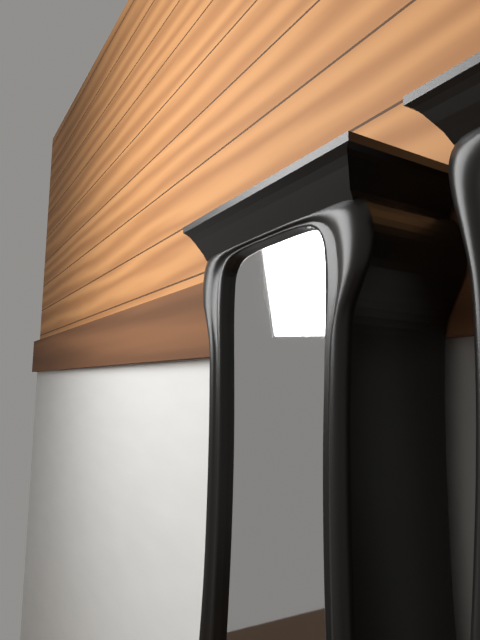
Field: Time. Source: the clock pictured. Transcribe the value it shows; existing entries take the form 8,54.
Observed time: 8,29
